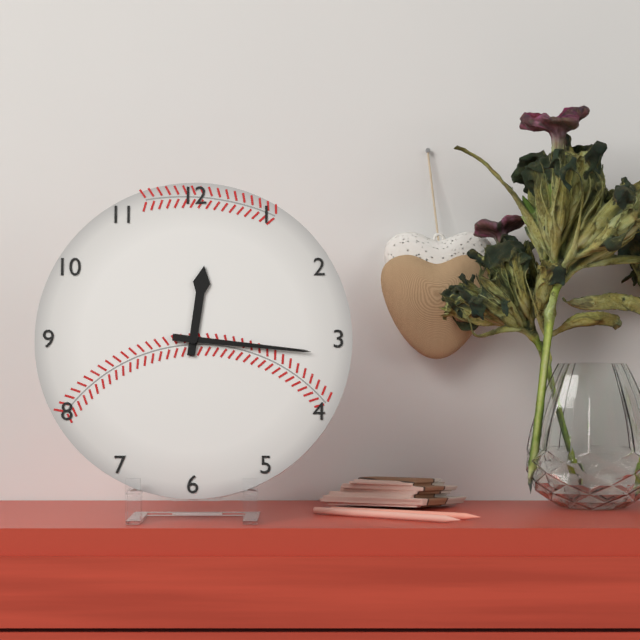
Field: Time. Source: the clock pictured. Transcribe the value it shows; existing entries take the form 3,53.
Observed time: 12,16
